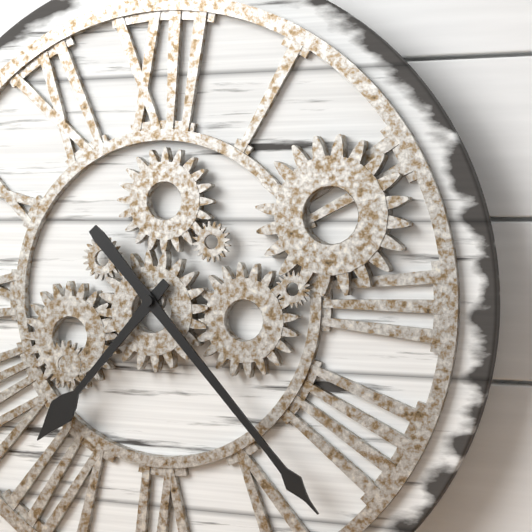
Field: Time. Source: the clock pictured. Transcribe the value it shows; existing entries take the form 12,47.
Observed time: 7,23
